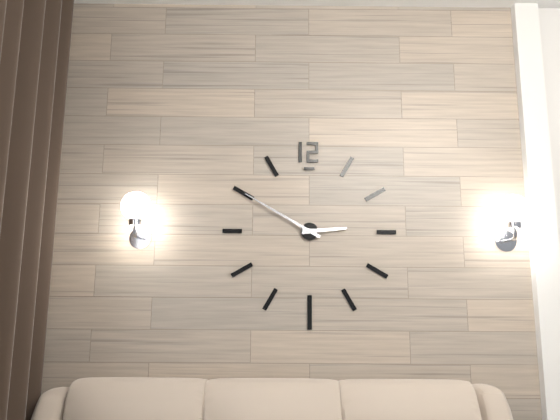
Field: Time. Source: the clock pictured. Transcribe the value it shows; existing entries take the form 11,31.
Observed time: 2,50
